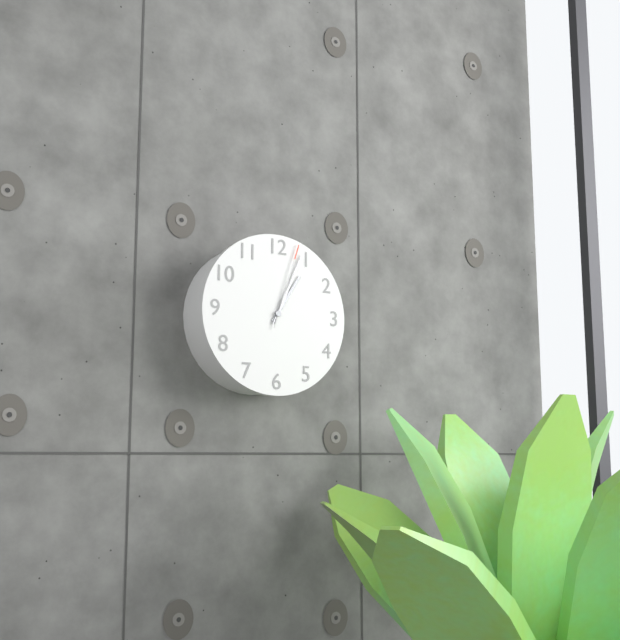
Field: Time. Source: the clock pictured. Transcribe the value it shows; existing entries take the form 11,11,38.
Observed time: 1,04,03
